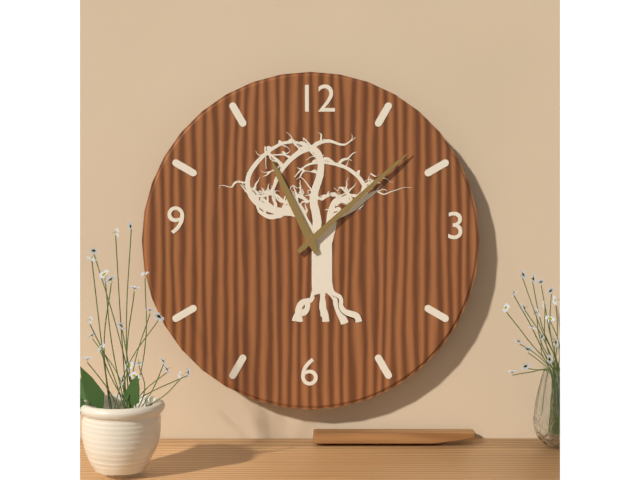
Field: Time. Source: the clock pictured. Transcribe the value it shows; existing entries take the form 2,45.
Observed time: 11,08
